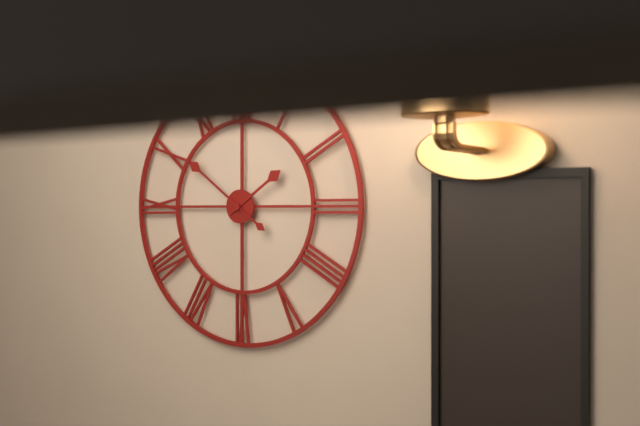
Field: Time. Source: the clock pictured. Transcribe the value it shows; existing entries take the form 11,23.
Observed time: 1,51
